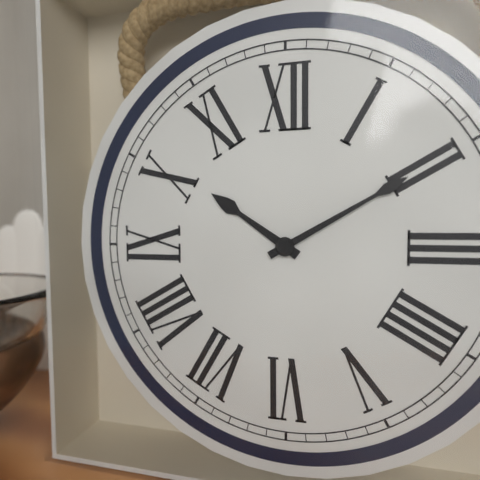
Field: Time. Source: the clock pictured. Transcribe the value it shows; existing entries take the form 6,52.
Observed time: 10,10
